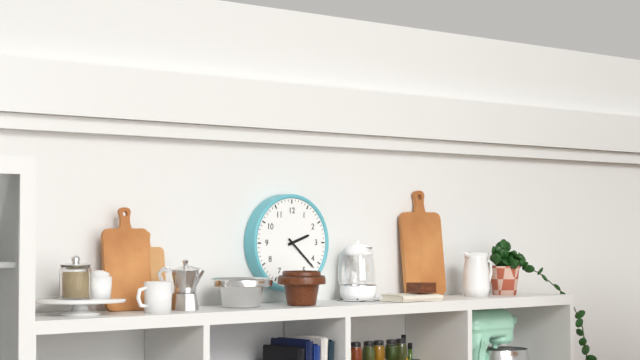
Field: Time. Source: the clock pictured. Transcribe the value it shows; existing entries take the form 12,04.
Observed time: 2,22
